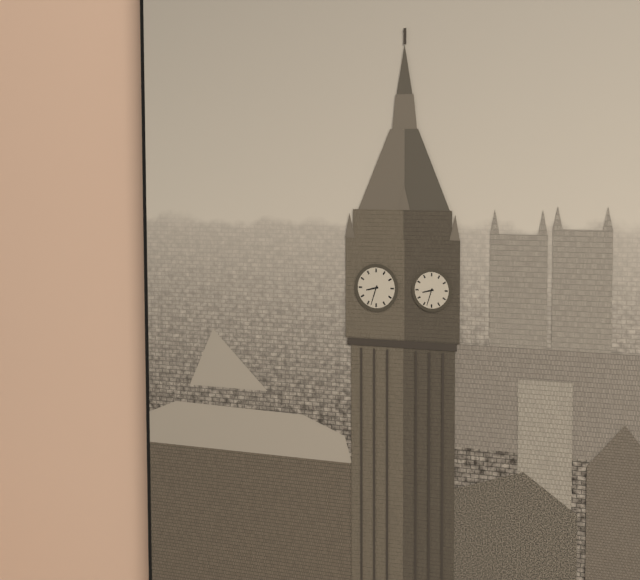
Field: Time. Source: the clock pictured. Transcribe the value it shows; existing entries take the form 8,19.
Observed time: 8,33
